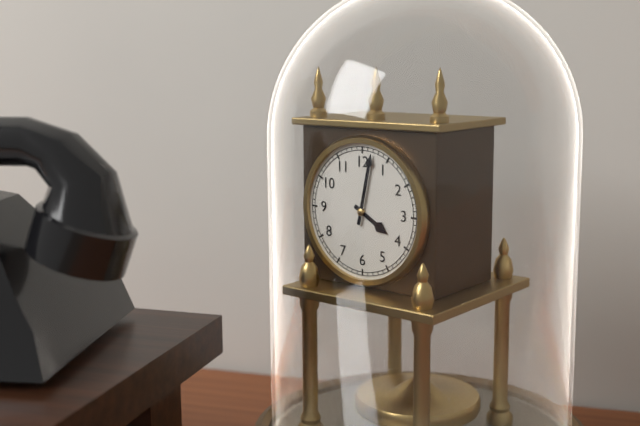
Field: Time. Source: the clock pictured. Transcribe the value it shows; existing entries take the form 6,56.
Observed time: 4,02
